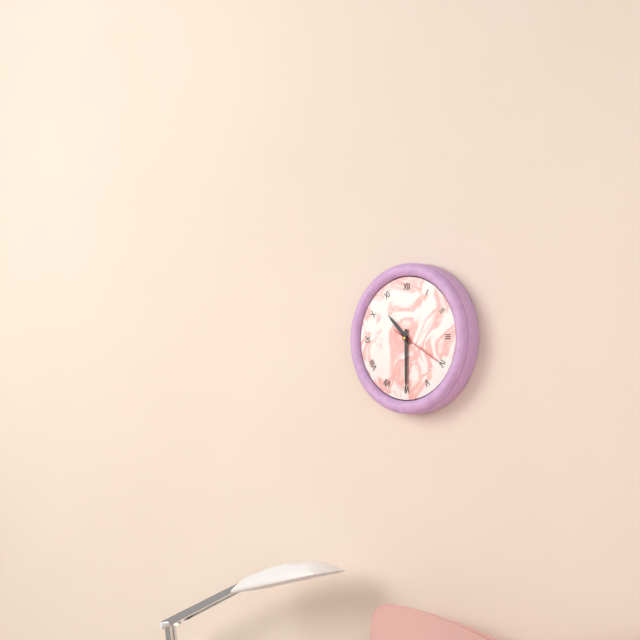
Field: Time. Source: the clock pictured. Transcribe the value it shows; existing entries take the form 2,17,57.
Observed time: 10,30,20
